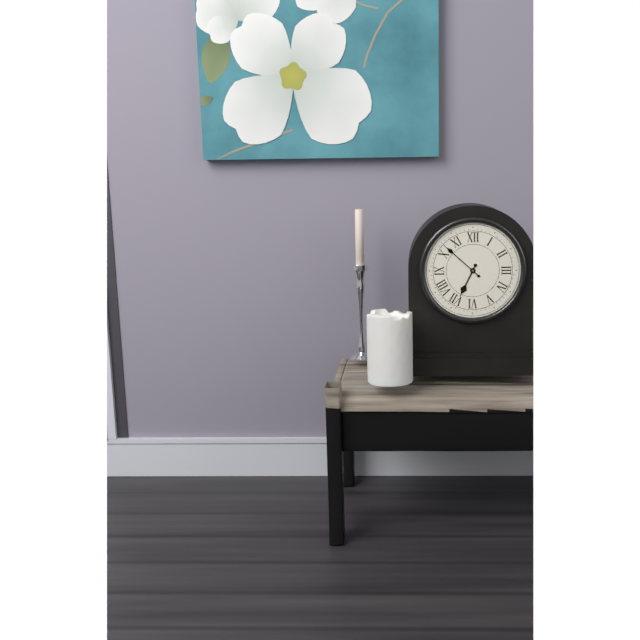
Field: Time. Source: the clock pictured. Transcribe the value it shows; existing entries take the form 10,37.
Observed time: 6,52
